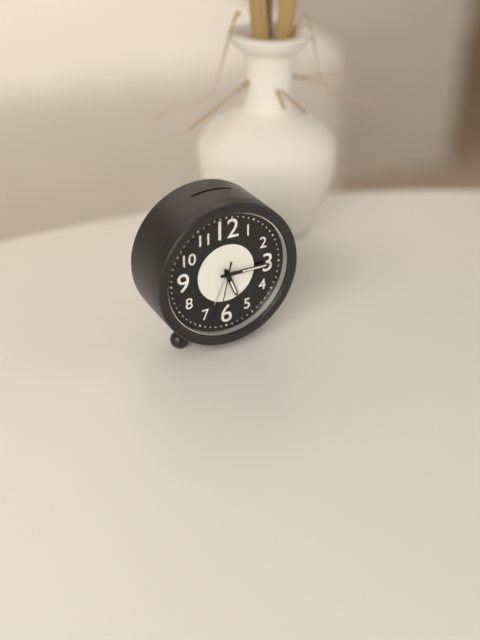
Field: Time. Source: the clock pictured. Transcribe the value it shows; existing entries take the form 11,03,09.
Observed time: 5,15,32
